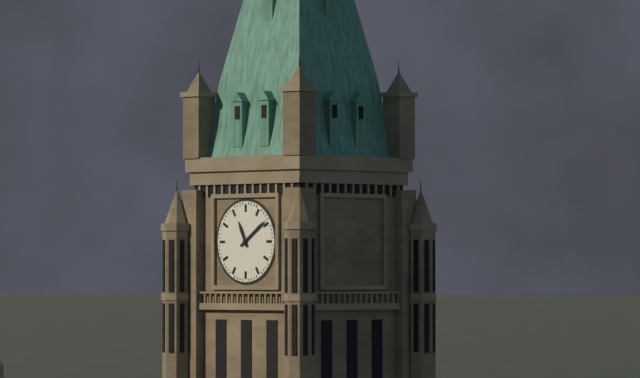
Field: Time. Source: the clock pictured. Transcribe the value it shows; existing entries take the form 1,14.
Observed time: 11,09
